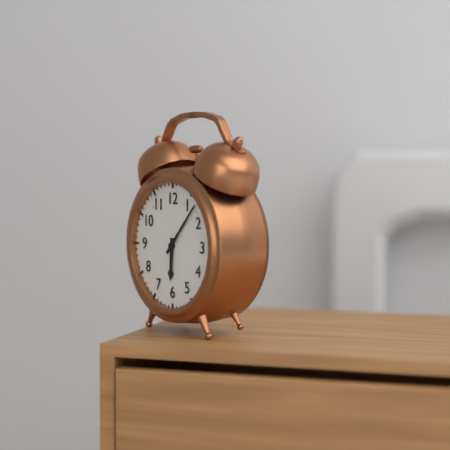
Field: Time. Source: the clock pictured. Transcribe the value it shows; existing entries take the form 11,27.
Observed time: 6,07
